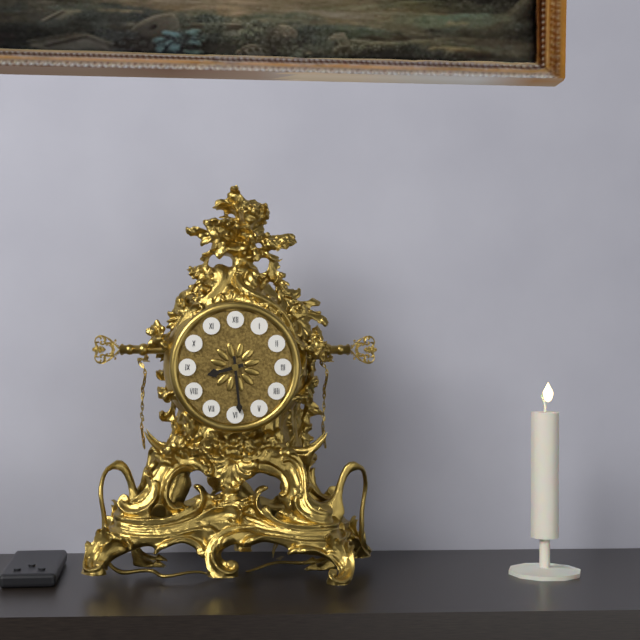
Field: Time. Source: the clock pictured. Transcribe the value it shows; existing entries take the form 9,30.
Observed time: 8,29
